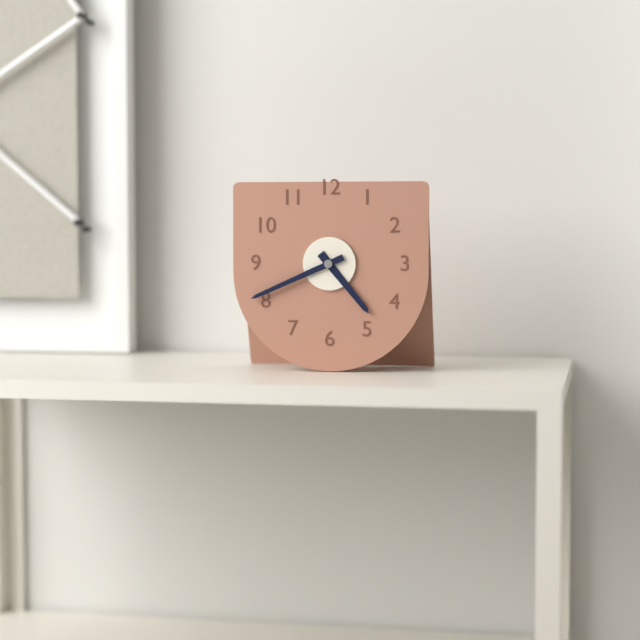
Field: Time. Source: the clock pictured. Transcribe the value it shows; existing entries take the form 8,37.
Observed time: 4,41
